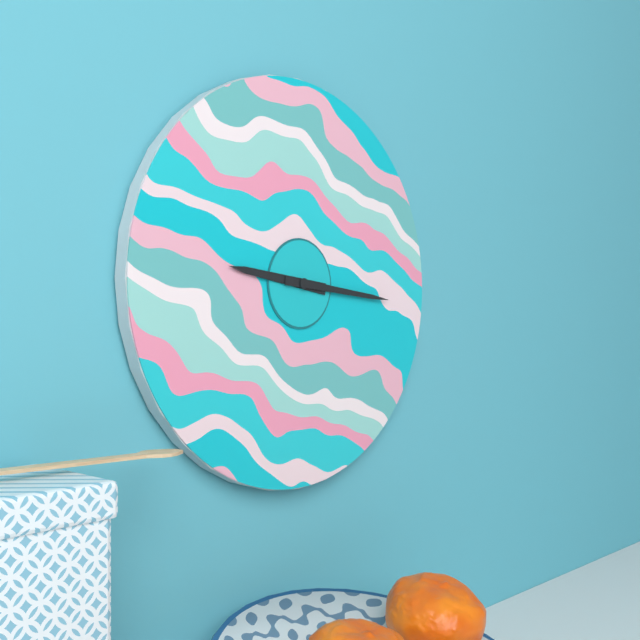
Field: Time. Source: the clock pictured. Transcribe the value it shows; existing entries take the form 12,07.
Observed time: 9,16
